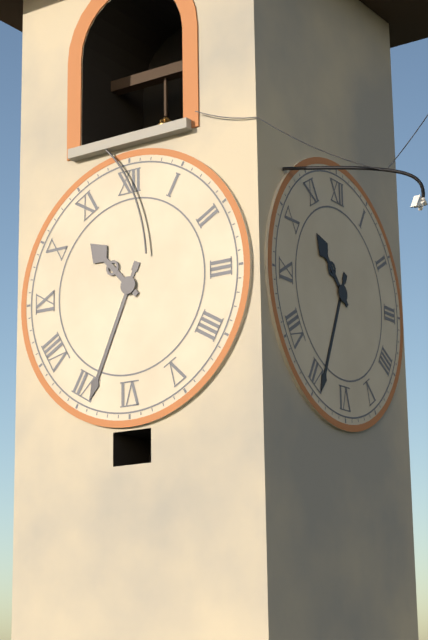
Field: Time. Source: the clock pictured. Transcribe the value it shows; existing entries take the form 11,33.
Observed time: 10,34
